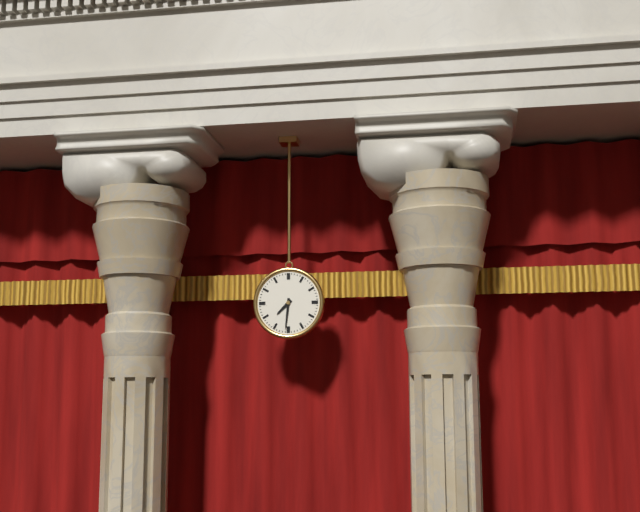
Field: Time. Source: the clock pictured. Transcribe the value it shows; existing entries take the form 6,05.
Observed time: 7,31
